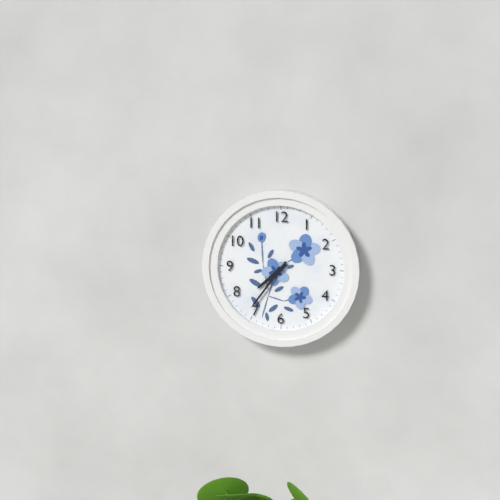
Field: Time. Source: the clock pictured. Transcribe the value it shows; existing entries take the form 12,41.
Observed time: 7,36
